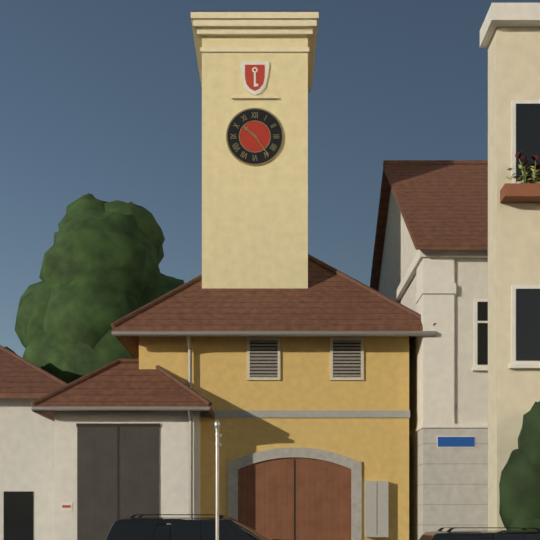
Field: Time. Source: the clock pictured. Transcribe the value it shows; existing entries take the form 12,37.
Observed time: 10,24
